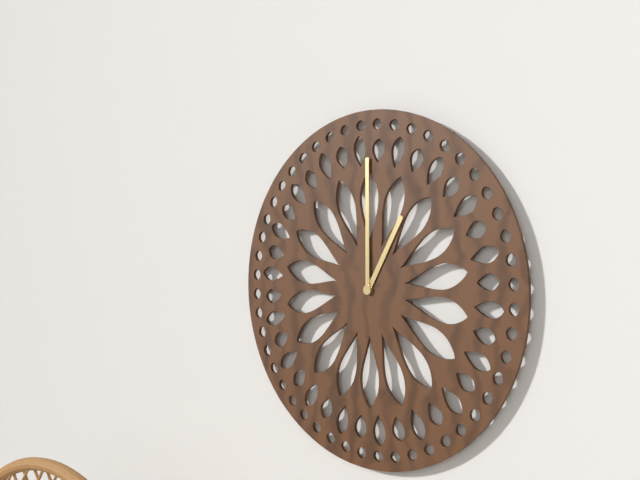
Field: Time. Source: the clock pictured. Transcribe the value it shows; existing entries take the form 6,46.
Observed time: 1,00
